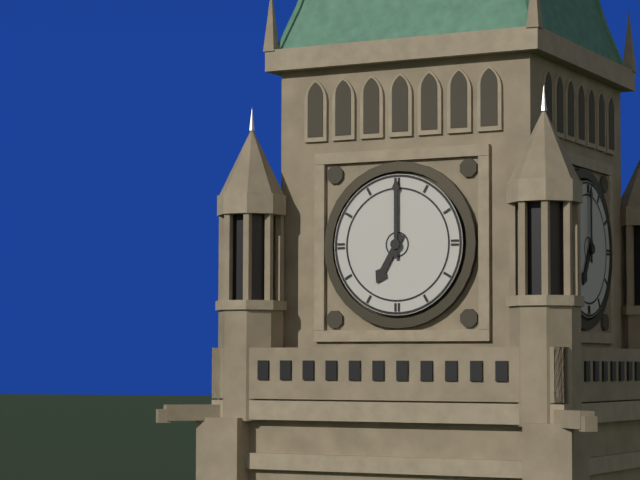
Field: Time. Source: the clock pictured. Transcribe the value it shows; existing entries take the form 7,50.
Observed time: 7,00
